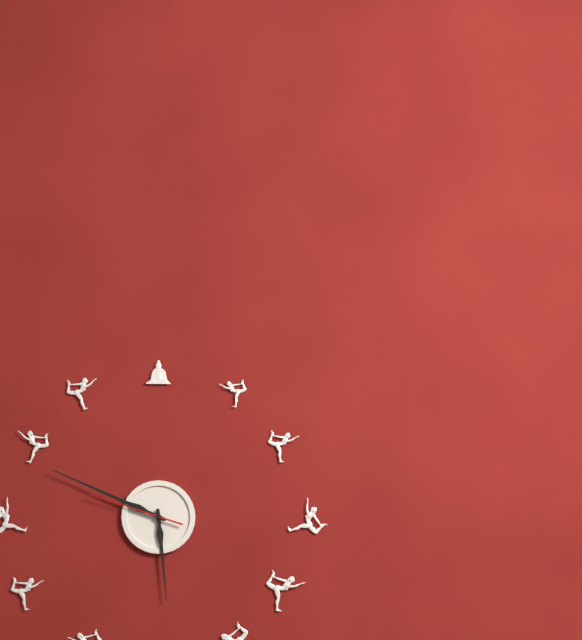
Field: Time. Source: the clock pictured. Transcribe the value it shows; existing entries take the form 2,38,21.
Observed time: 5,49,48
